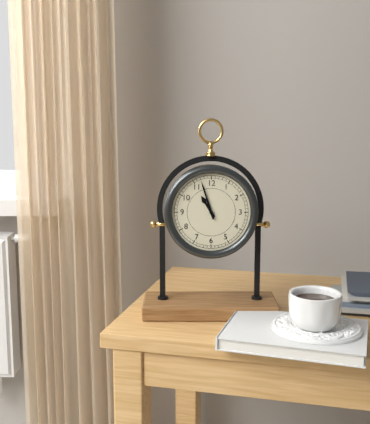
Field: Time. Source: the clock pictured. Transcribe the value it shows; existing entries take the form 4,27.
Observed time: 10,57
